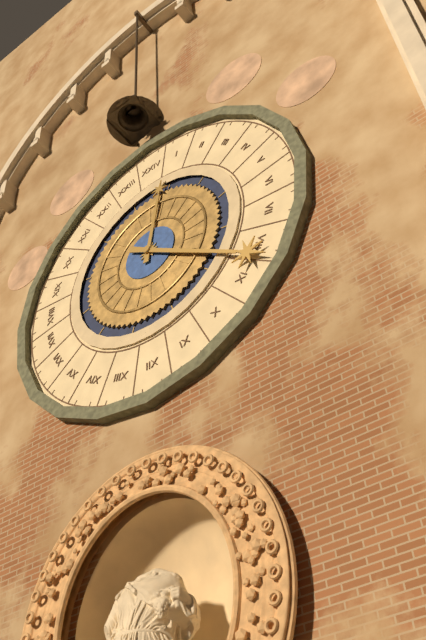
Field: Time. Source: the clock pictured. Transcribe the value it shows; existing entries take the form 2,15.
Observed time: 12,21
